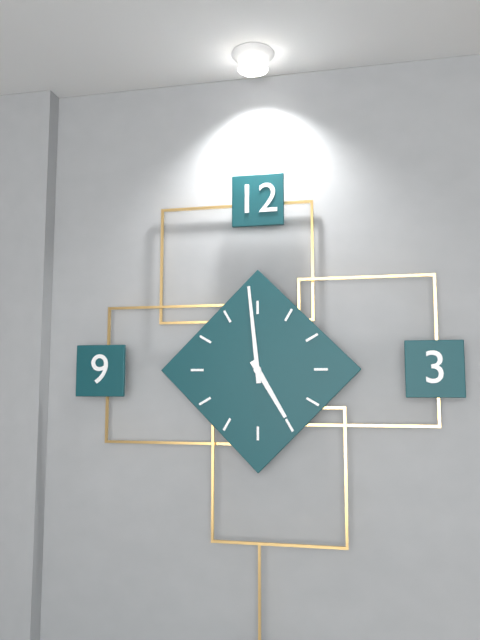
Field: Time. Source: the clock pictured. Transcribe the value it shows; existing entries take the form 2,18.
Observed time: 4,59
